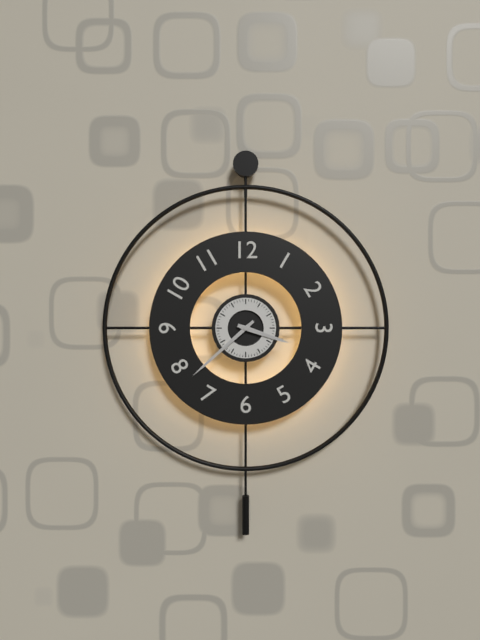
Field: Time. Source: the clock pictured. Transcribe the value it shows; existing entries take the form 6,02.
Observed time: 3,38
